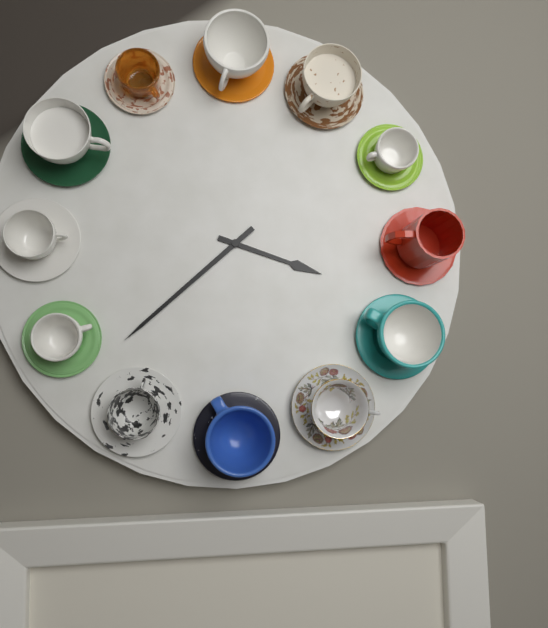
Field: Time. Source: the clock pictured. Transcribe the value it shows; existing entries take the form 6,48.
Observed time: 3,38
